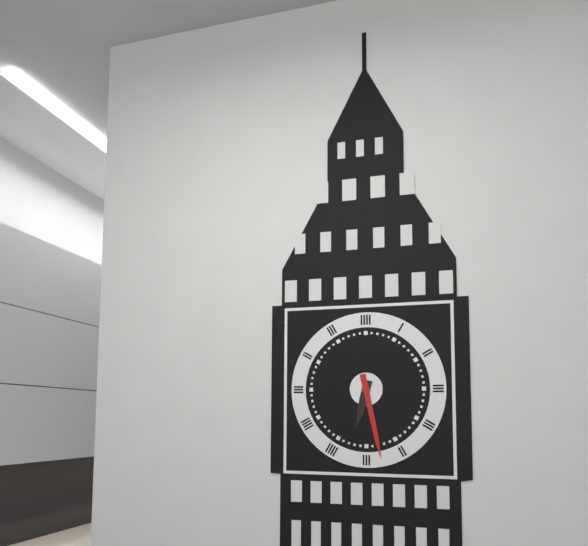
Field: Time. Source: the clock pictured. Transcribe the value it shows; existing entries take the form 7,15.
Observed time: 6,28
